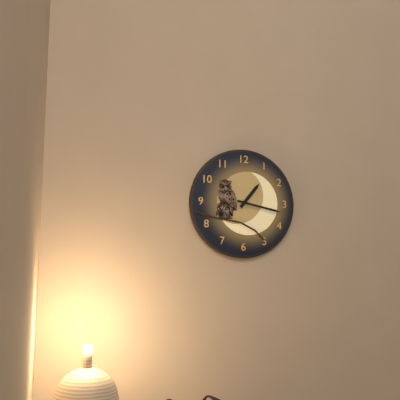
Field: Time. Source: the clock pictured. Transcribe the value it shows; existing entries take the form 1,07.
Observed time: 1,17
